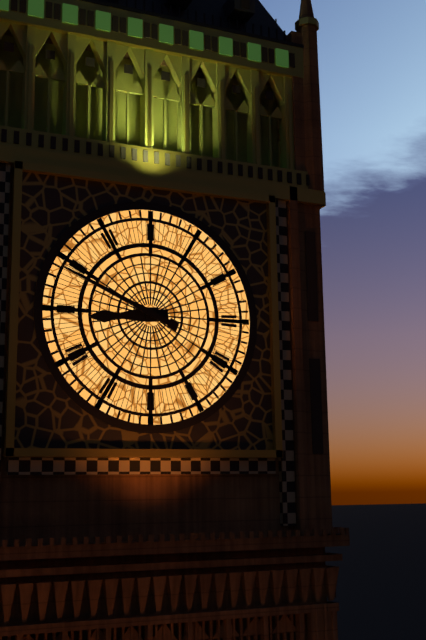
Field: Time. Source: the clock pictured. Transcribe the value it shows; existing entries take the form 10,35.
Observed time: 8,49
